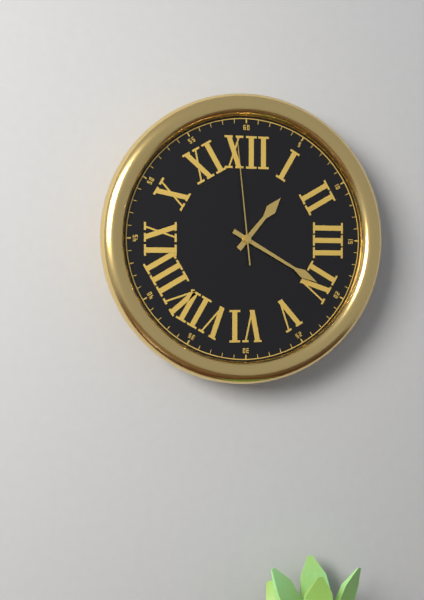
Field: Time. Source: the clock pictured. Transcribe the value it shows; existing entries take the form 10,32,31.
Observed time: 1,20,59
